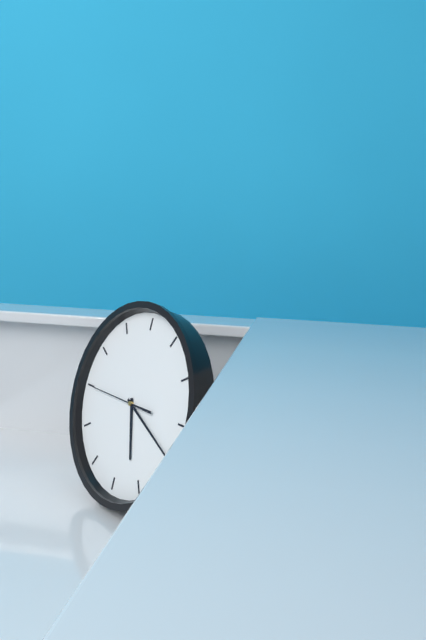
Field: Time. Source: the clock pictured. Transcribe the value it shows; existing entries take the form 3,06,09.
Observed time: 5,19,45
